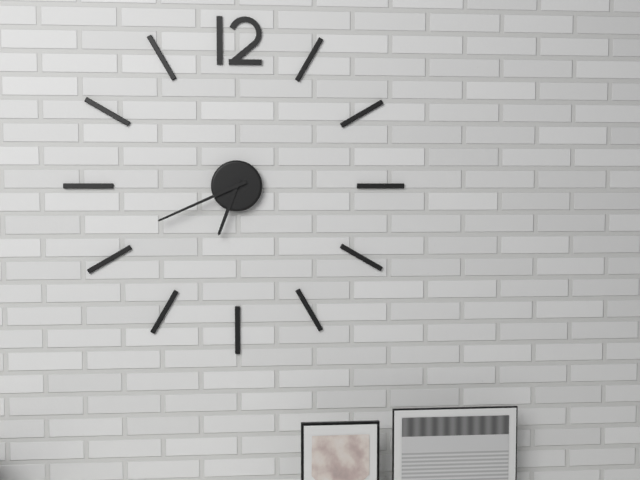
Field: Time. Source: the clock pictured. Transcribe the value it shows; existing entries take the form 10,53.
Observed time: 6,41
